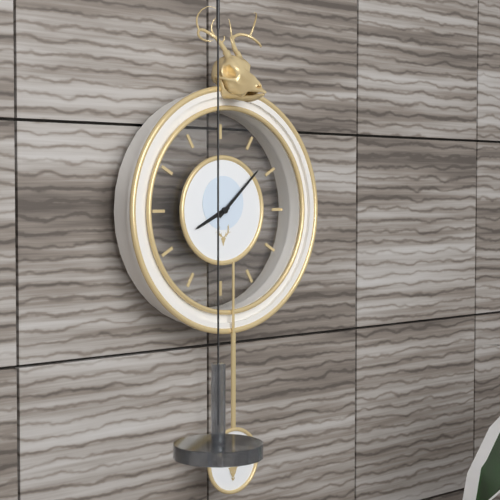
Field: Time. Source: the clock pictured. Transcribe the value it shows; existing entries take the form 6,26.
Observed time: 8,08
